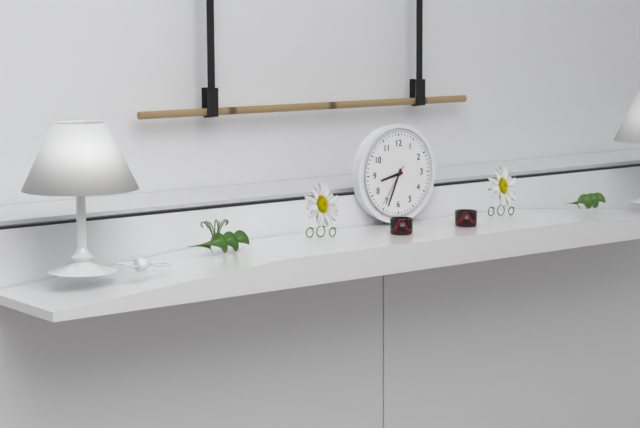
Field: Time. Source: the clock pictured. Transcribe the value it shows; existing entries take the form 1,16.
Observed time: 8,34
